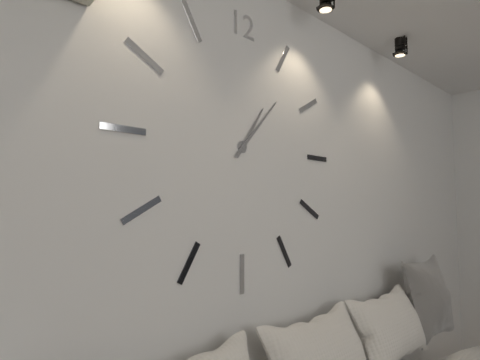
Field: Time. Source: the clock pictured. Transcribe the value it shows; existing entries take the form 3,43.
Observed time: 1,07
